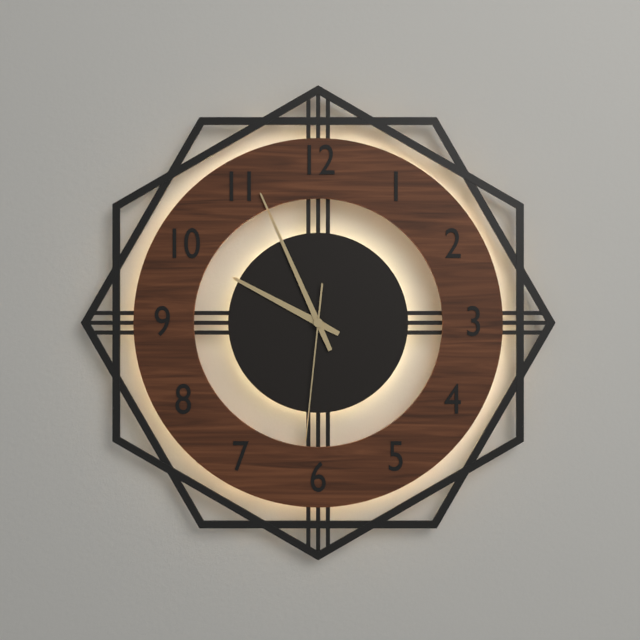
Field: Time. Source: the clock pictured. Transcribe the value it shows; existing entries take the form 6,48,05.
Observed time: 9,56,31
